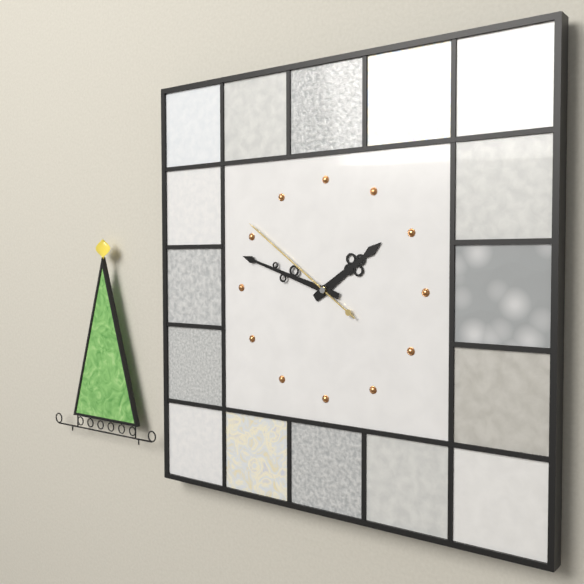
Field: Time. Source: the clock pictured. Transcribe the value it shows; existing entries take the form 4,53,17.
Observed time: 1,48,51
